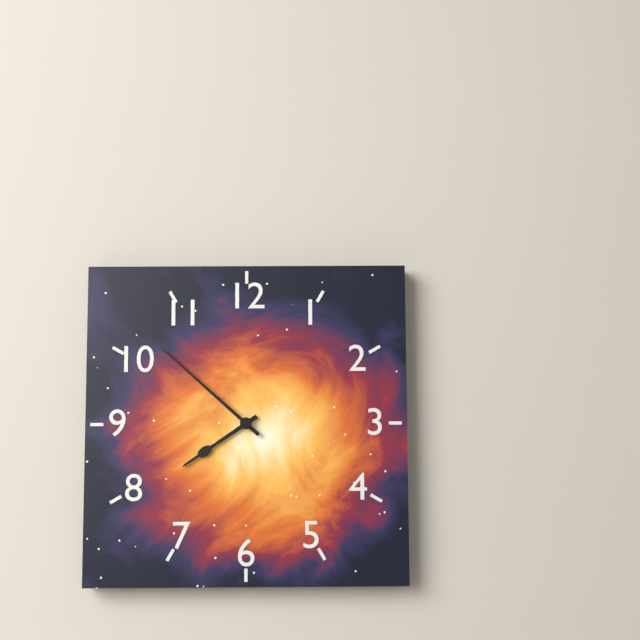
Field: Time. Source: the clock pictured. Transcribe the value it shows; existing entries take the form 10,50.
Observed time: 7,52
